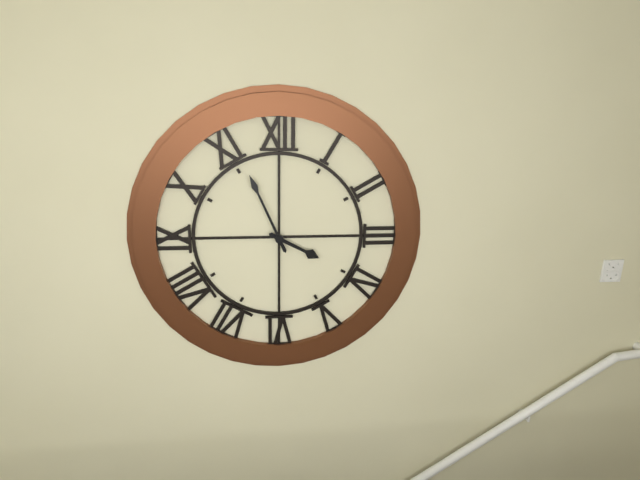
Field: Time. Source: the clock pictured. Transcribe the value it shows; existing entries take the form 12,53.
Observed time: 3,56
